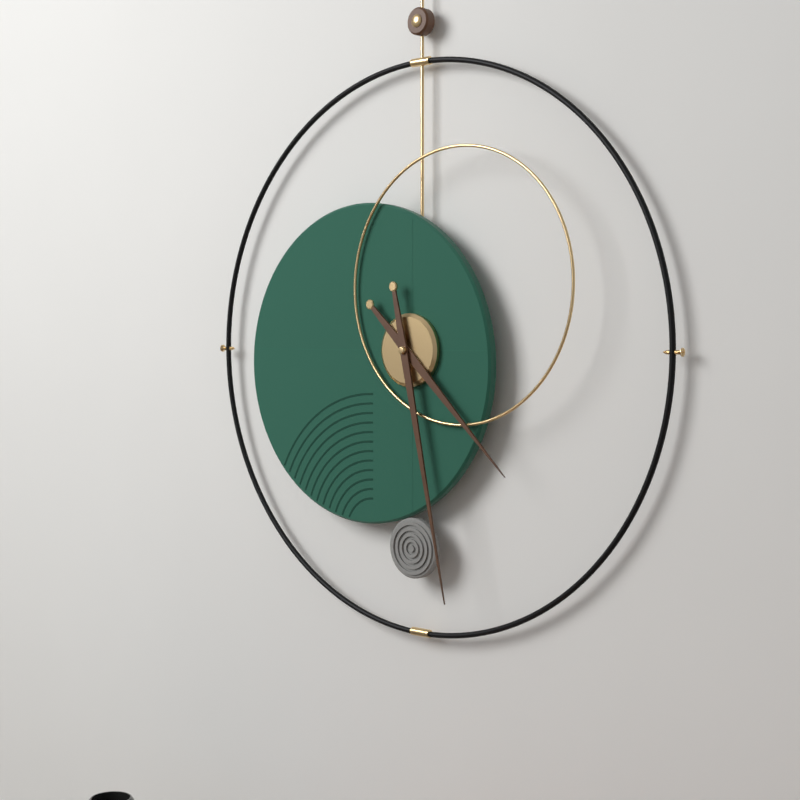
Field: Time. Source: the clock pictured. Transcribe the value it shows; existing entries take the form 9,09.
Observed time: 4,28
